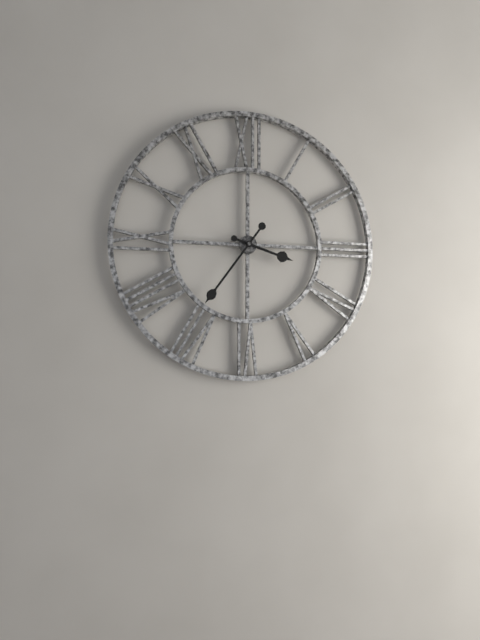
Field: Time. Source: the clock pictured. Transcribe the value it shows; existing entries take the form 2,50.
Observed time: 3,36
